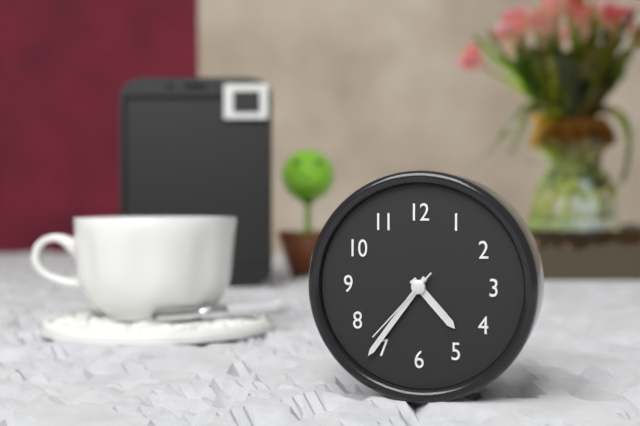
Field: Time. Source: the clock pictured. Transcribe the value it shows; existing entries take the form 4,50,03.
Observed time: 4,36,37
